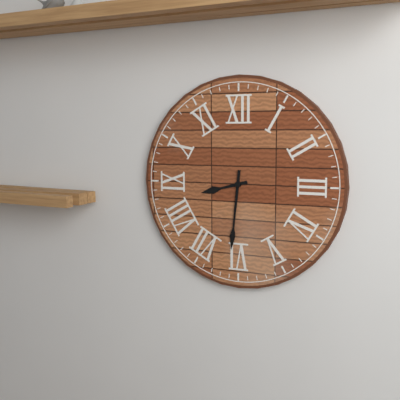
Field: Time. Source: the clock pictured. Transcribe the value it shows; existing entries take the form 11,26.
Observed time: 8,31
